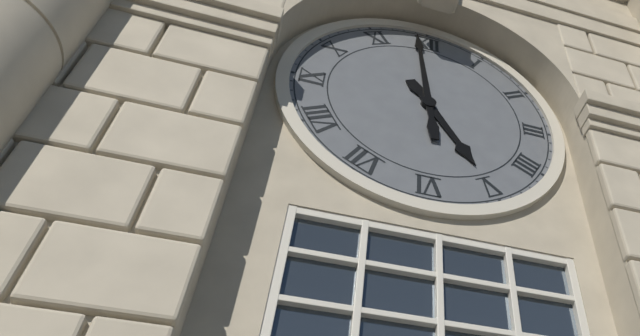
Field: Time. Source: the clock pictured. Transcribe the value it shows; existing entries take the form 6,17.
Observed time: 4,59
